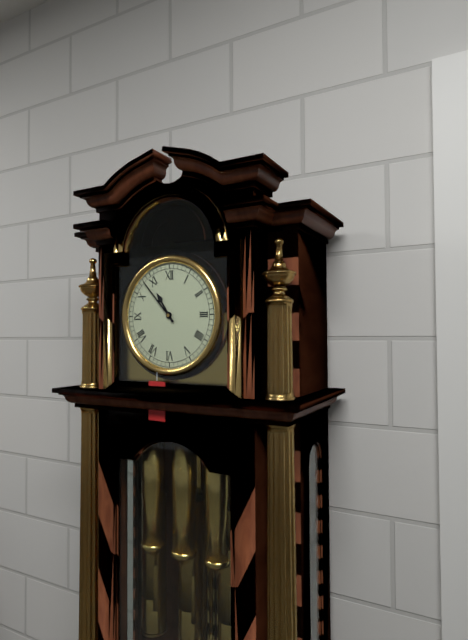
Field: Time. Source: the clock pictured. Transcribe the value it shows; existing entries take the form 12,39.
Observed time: 10,53
